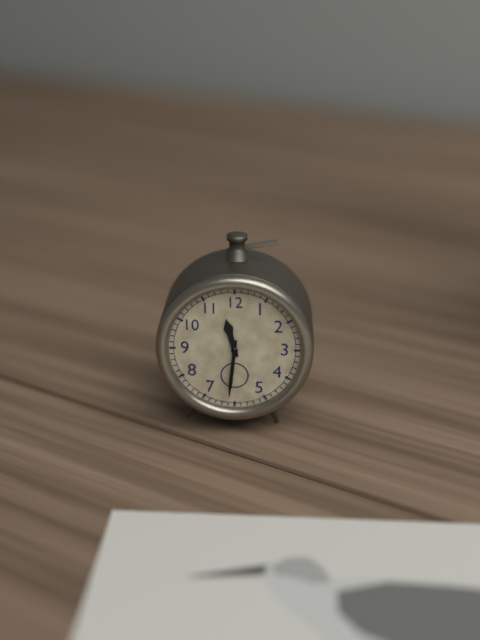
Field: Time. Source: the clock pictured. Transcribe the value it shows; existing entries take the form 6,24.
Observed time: 11,31
